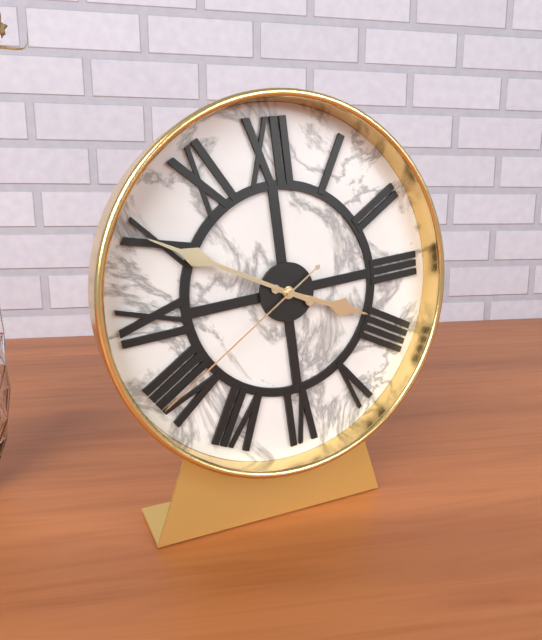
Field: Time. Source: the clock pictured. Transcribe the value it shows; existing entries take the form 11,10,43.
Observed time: 3,50,40
